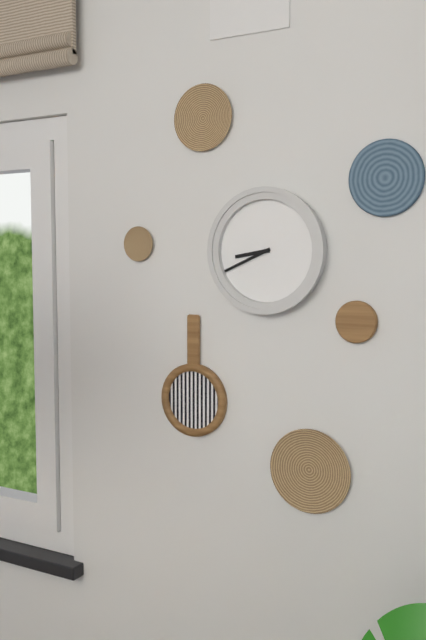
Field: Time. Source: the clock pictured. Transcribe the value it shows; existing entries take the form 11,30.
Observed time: 8,41
